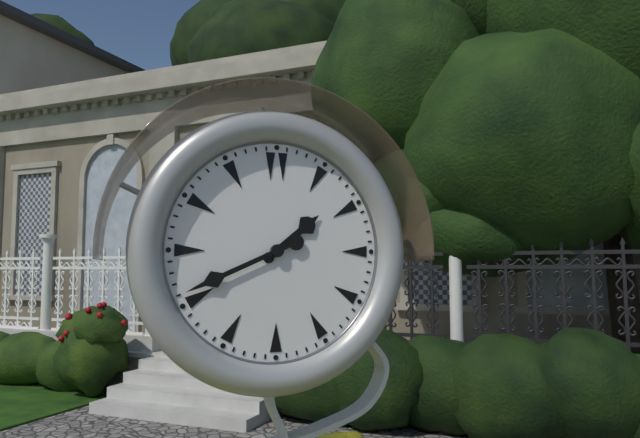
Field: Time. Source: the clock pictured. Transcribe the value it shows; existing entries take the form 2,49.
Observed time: 1,41
